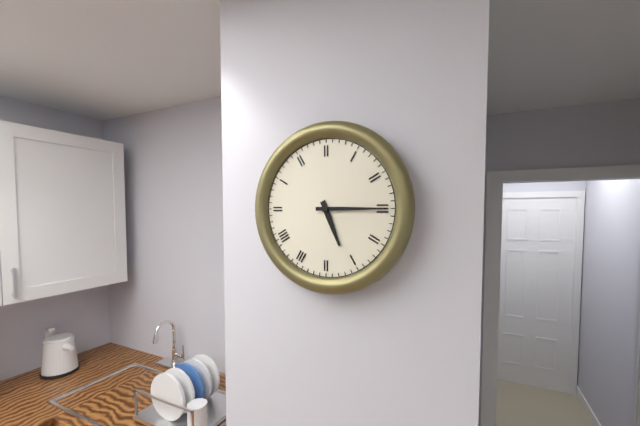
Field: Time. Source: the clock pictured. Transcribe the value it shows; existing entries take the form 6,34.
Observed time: 5,15
